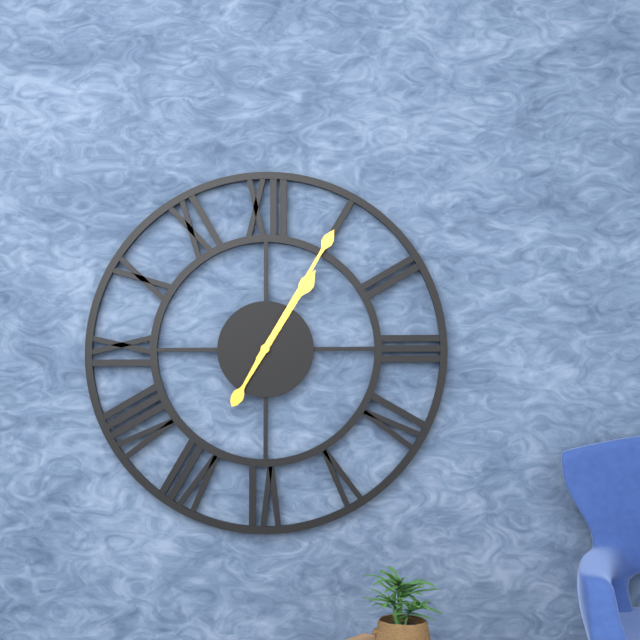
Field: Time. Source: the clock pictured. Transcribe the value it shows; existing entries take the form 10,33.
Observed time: 1,05
